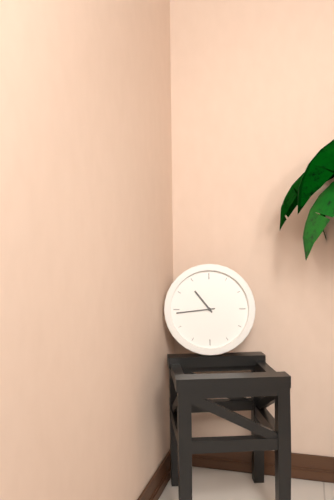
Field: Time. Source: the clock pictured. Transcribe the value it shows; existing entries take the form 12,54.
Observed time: 10,44
